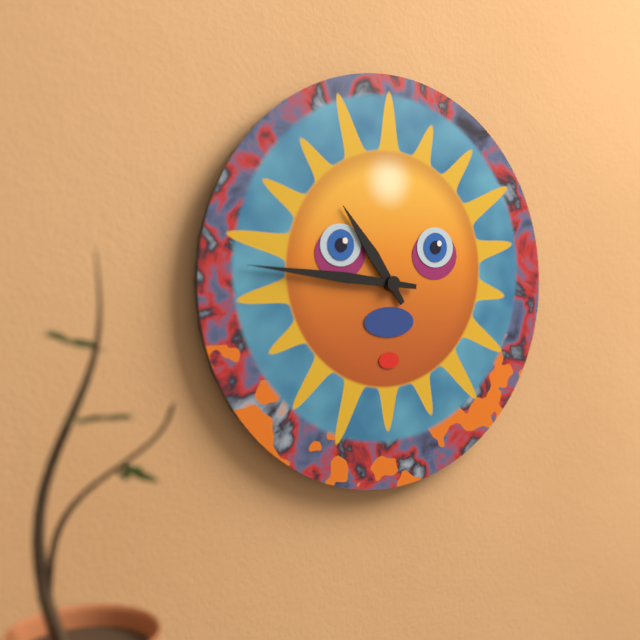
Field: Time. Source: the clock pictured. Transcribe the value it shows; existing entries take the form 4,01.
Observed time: 10,46
